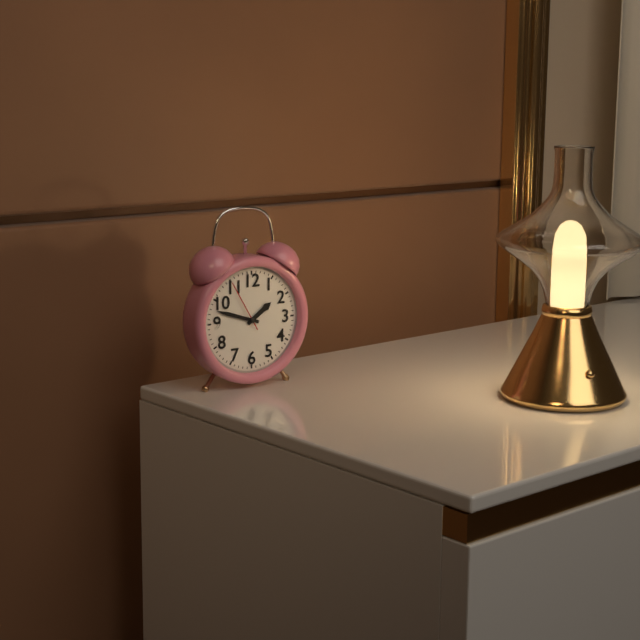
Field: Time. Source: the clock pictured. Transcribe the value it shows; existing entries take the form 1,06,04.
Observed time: 1,48,55
